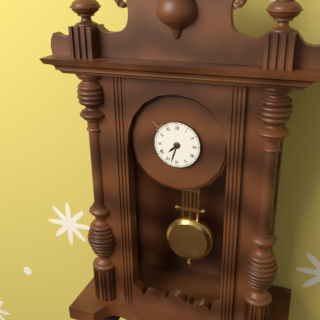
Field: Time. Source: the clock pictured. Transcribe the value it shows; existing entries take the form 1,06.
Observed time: 7,33
